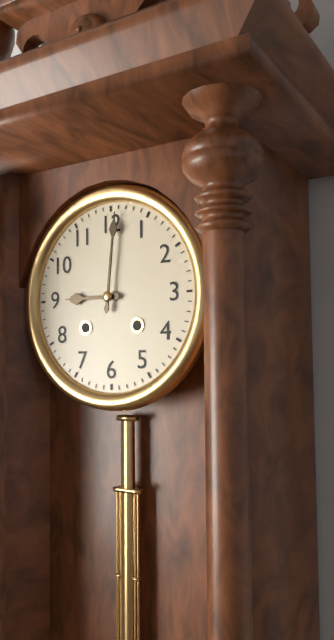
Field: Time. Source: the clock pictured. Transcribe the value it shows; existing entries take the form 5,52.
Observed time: 9,01
